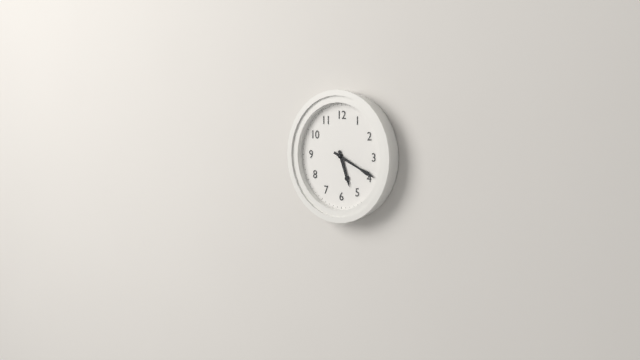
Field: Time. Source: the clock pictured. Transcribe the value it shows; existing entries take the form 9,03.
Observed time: 5,19
